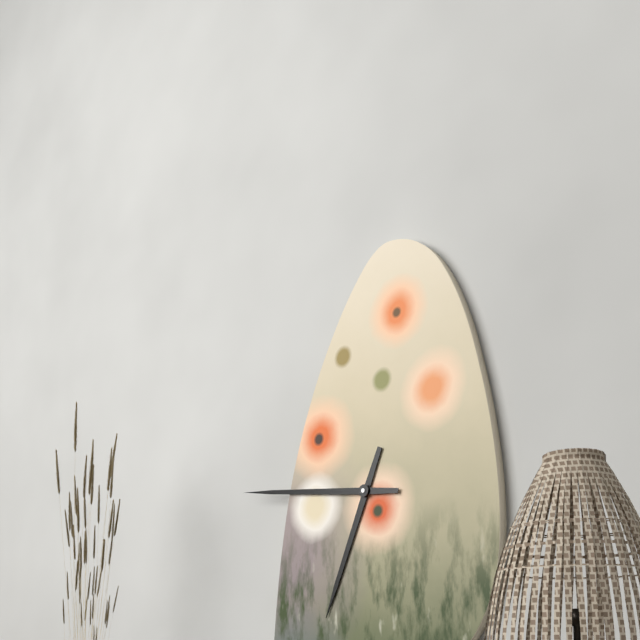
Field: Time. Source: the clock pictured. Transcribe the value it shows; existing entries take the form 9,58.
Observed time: 6,46
